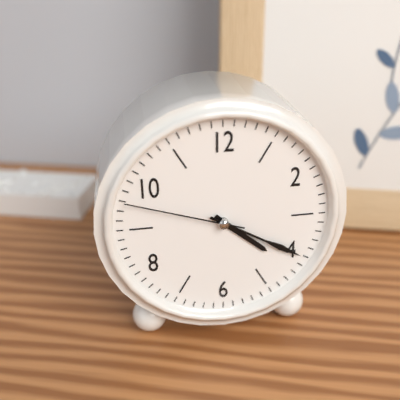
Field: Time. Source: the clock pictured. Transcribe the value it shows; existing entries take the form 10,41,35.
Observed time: 4,20,48
